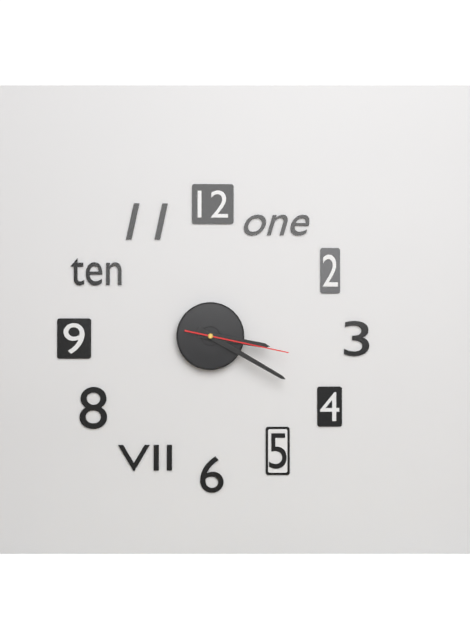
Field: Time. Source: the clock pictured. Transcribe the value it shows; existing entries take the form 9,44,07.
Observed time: 3,20,17
